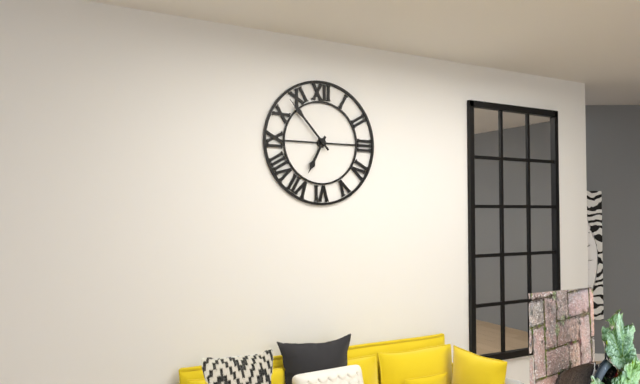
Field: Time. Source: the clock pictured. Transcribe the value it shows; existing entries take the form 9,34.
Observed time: 6,53
